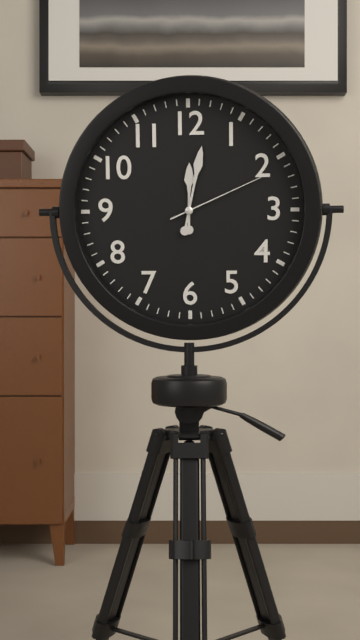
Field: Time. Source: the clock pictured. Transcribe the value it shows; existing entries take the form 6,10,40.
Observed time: 12,02,11
